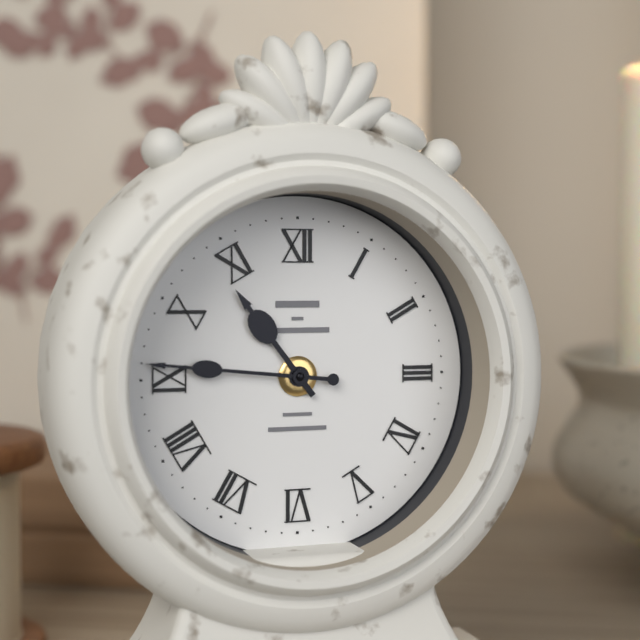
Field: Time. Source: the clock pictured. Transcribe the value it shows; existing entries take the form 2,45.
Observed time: 10,46
